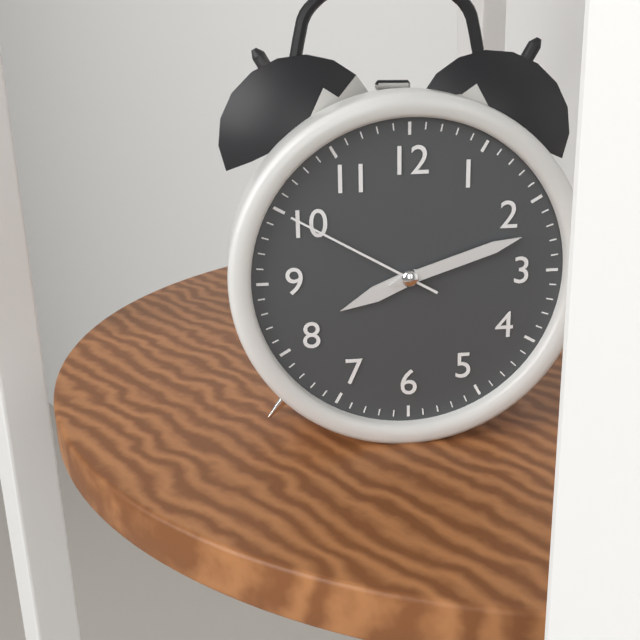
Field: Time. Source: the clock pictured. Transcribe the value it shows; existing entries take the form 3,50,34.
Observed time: 8,12,50
